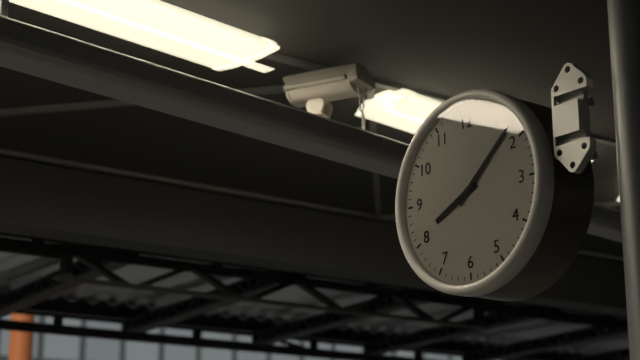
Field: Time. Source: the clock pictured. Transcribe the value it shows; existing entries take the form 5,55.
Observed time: 8,08
